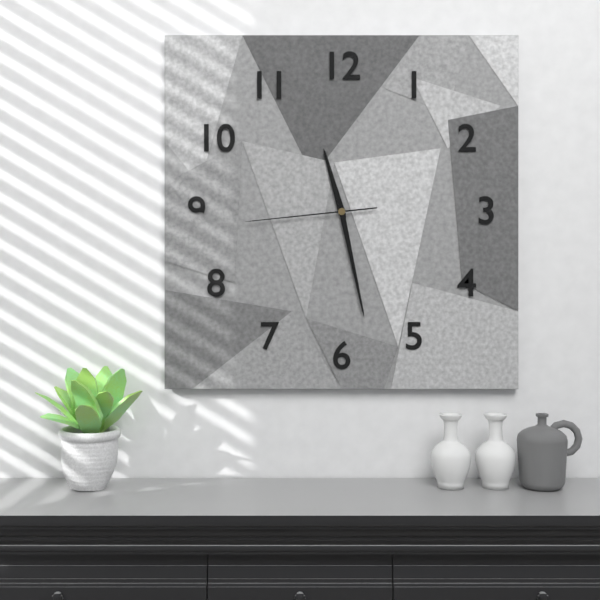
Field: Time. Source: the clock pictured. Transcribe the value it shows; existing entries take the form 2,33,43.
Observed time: 11,28,44
